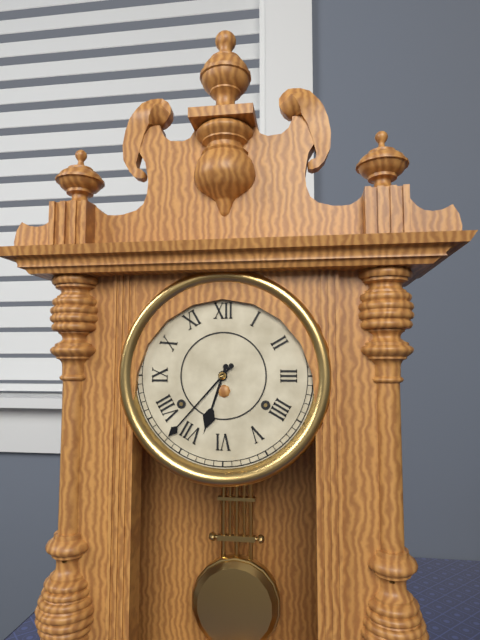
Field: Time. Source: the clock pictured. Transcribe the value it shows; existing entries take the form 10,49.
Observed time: 6,37
